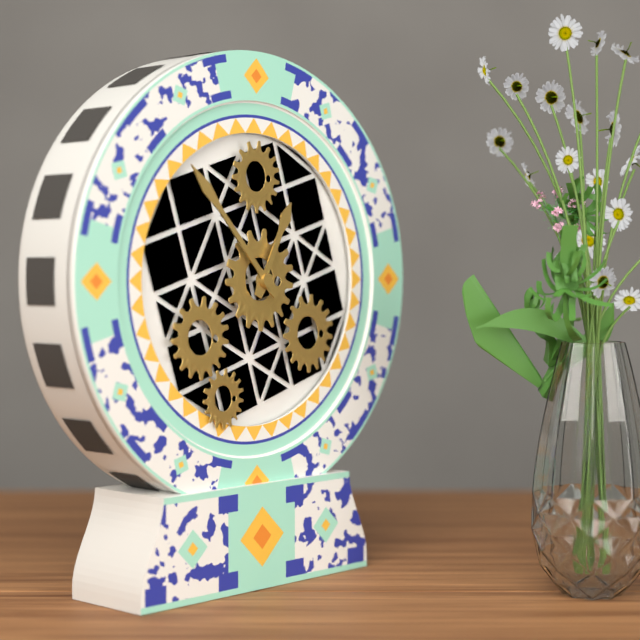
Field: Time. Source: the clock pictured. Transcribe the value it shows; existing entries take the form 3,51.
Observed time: 12,53
